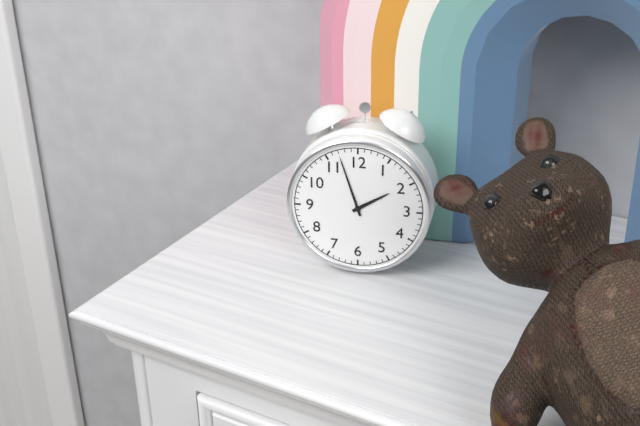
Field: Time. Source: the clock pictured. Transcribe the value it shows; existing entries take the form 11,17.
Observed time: 1,57
